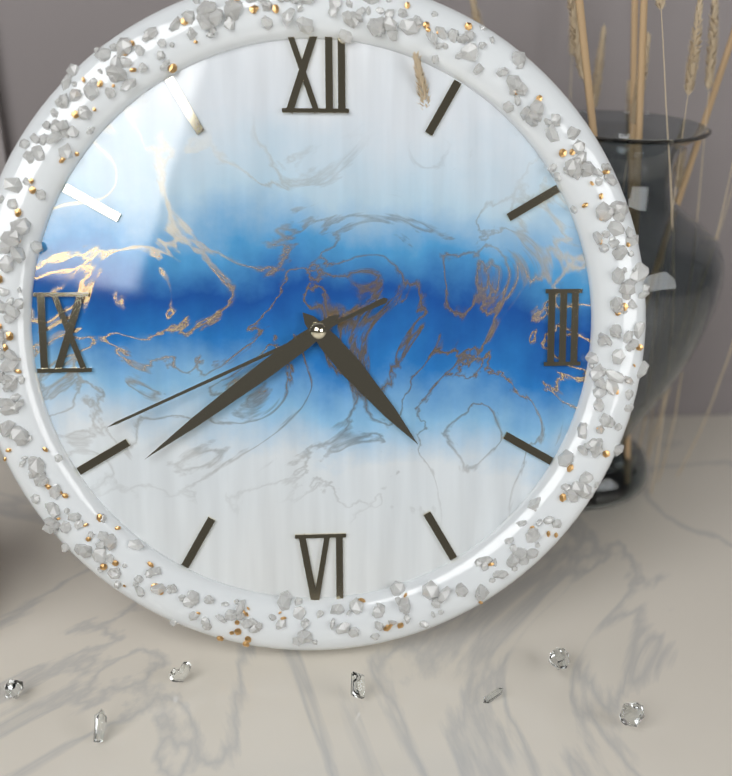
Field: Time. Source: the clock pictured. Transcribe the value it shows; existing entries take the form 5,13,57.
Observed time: 4,39,41
